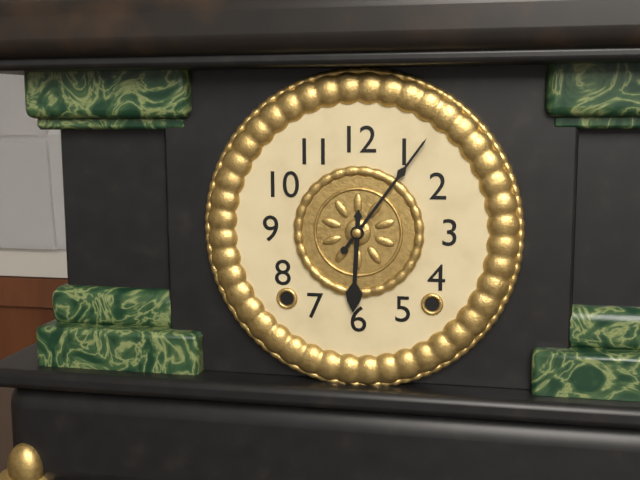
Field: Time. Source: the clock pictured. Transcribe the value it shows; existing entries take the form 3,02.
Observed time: 6,06
